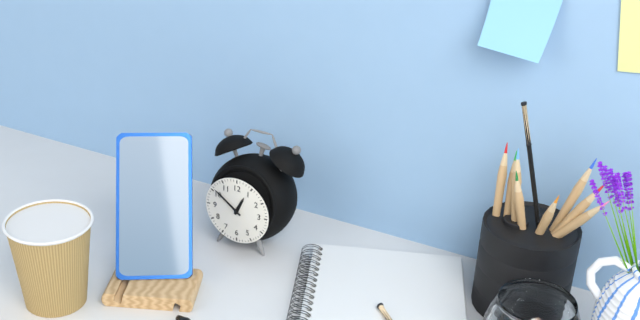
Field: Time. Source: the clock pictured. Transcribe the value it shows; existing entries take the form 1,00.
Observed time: 12,51
